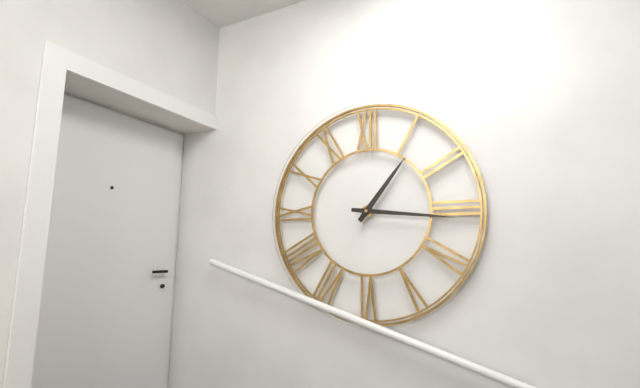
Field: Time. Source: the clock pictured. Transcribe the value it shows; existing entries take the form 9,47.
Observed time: 1,16
